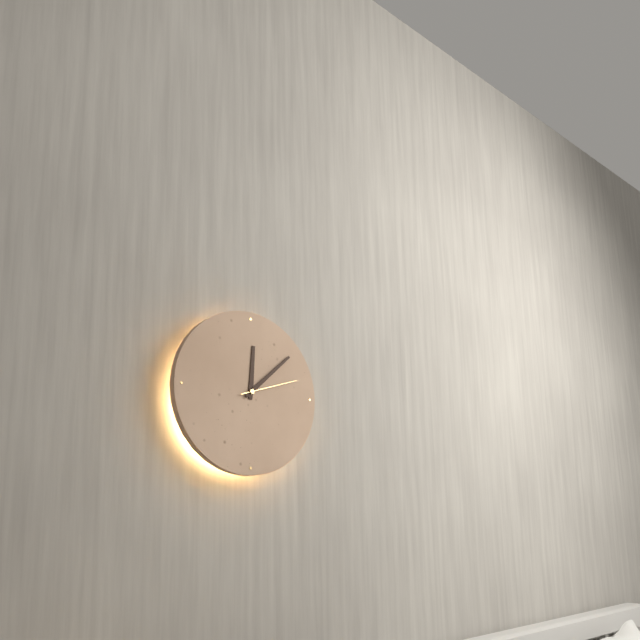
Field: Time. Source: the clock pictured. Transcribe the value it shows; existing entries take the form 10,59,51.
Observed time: 12,08,12
